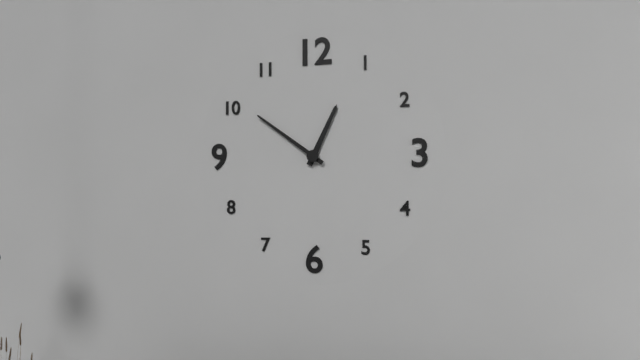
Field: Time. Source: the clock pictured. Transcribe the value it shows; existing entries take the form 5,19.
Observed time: 12,51
